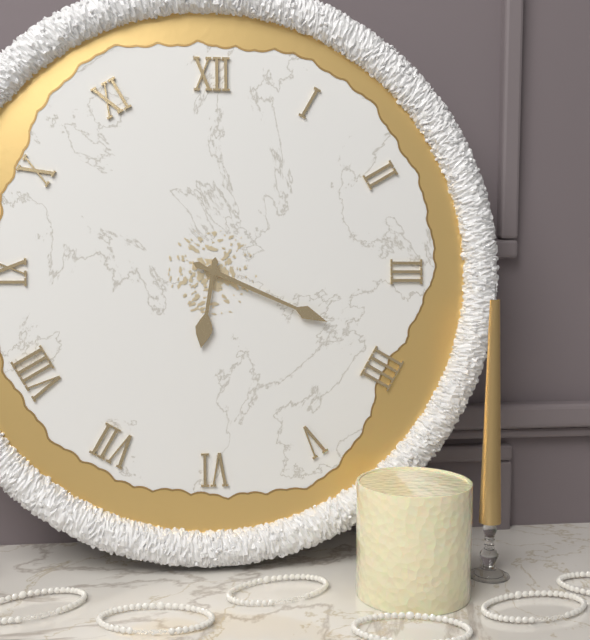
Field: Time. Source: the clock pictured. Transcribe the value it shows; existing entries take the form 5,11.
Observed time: 6,19
